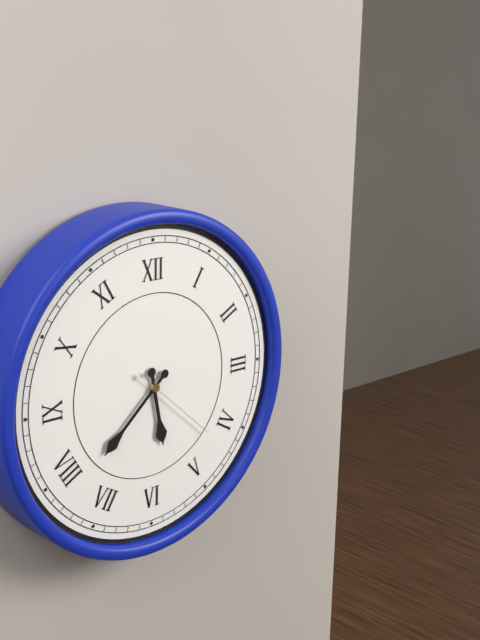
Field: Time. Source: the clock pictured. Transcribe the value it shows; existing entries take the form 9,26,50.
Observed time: 5,38,22
